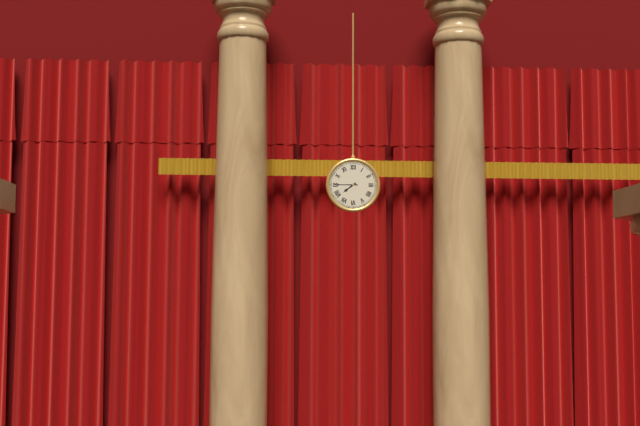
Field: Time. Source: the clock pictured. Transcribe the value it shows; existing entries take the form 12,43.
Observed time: 7,45
